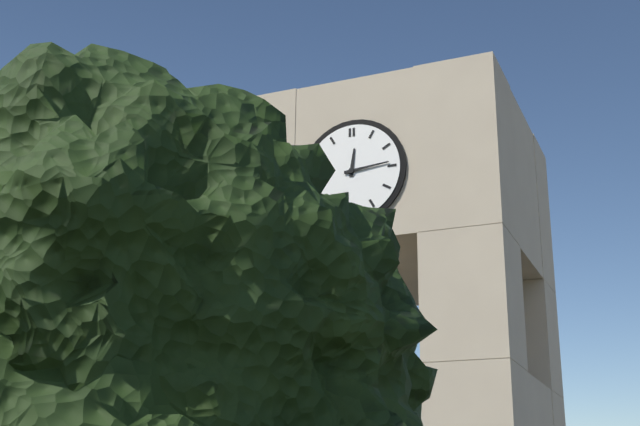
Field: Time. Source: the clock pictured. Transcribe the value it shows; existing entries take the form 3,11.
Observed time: 12,14
